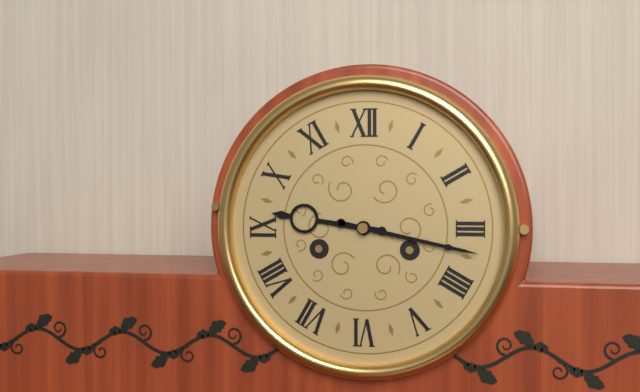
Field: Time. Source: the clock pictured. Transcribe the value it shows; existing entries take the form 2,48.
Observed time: 9,17
